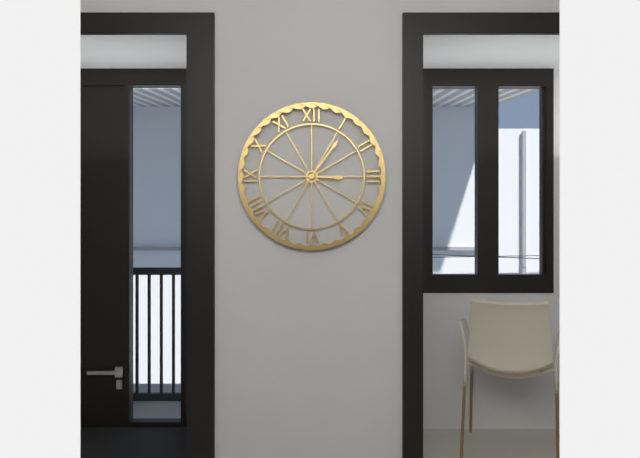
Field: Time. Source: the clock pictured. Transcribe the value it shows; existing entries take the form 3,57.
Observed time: 3,06
